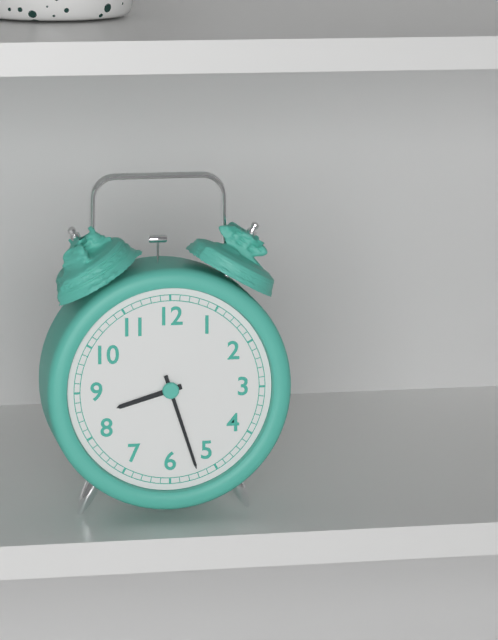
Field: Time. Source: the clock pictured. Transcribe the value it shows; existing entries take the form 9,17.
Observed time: 8,27
